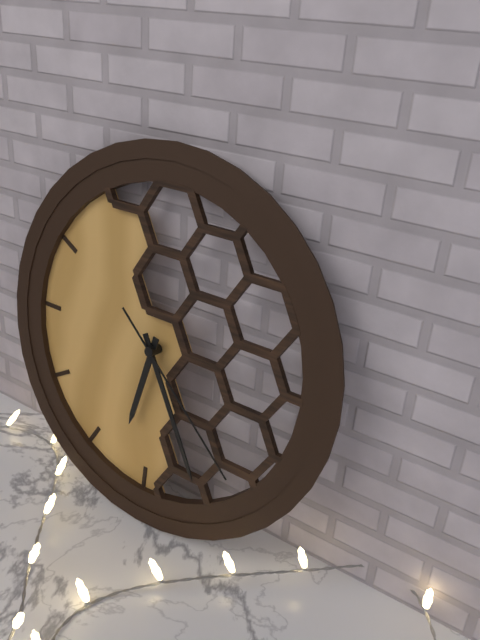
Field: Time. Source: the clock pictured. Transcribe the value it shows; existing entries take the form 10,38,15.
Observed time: 6,25,22
